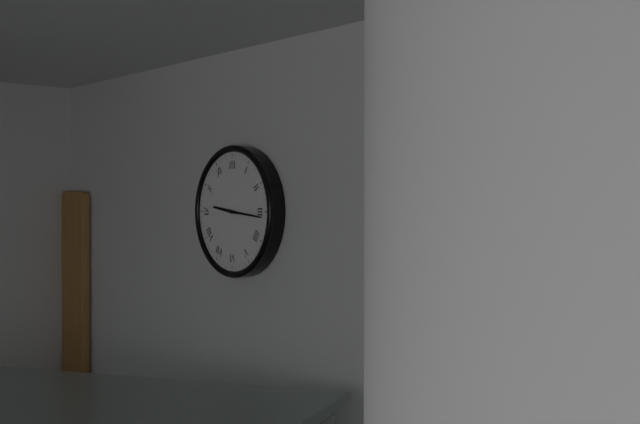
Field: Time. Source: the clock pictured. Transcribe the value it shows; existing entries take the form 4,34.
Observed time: 9,16
